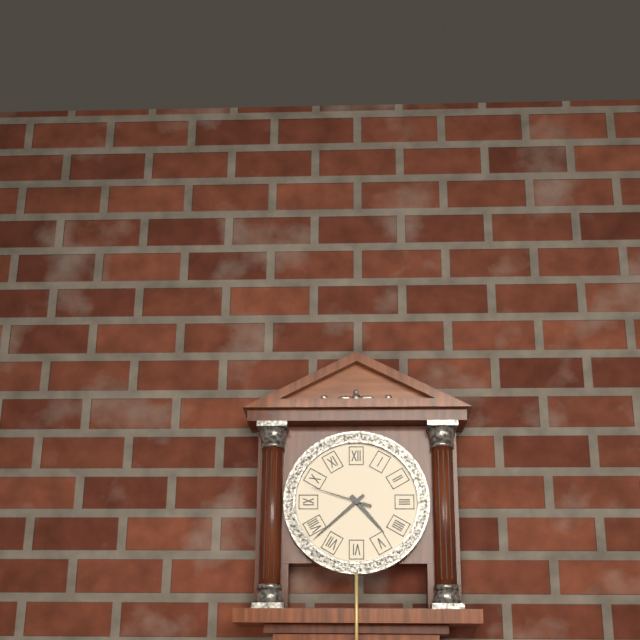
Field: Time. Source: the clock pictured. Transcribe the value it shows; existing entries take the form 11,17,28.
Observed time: 4,38,48
